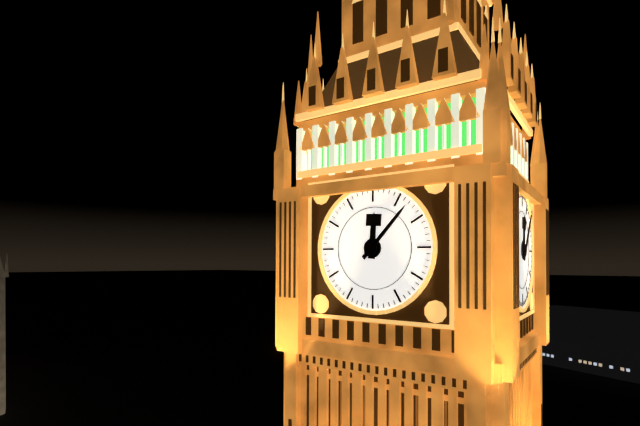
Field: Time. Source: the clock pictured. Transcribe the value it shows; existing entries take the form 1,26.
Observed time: 12,07
